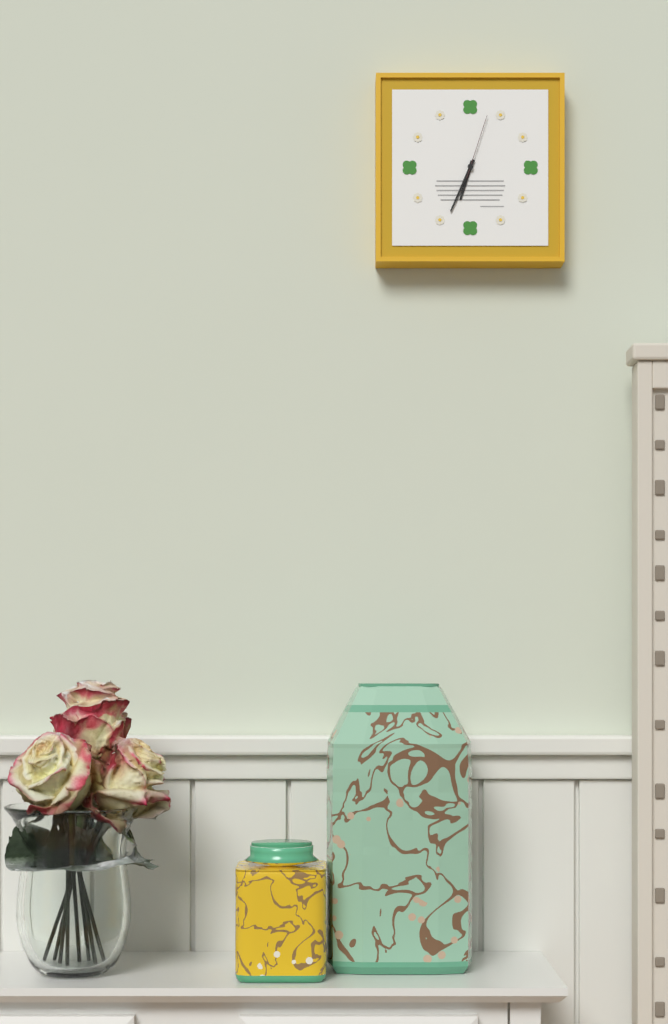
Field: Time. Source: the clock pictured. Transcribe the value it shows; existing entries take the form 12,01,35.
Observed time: 6,34,03
